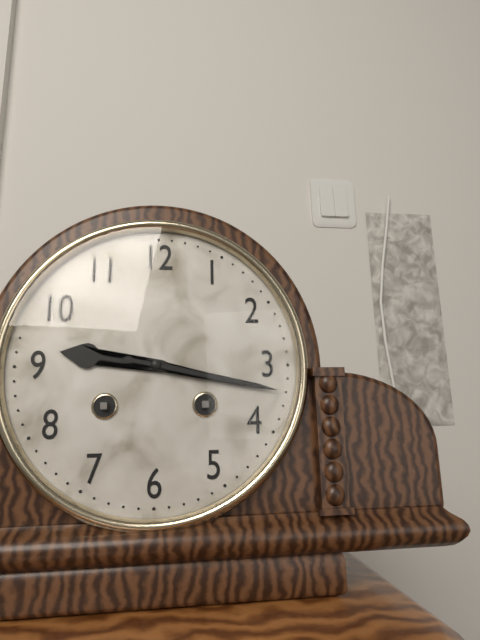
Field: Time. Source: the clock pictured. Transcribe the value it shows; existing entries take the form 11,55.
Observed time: 9,17
